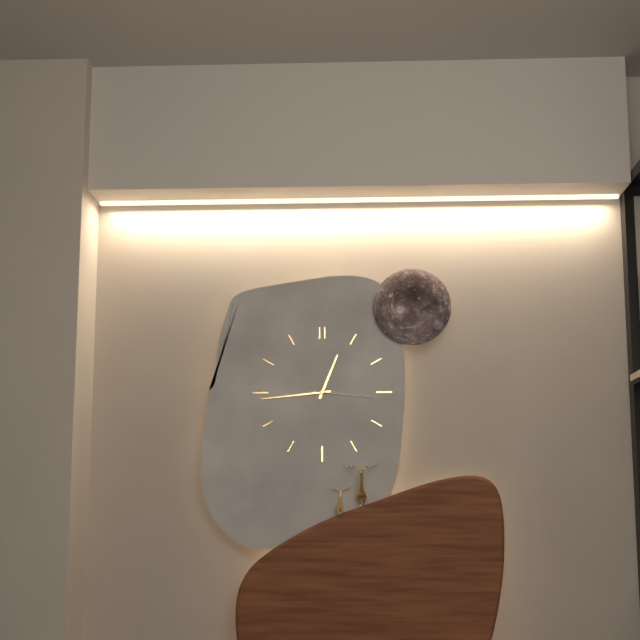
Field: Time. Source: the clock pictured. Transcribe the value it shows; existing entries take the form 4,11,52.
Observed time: 12,44,16
